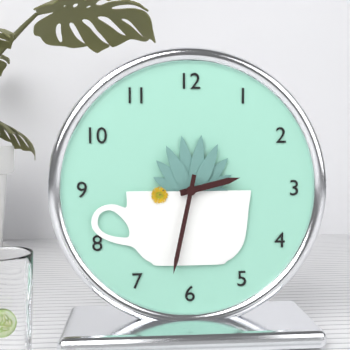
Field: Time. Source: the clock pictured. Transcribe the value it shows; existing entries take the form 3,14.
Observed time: 2,32
